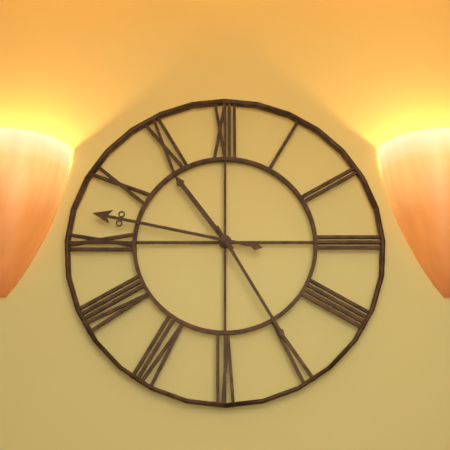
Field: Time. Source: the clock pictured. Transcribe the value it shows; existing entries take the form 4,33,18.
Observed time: 10,47,25
